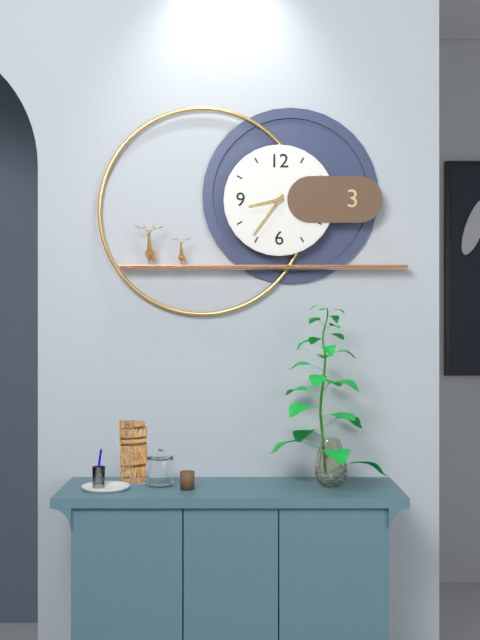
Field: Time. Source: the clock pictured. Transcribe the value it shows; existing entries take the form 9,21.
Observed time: 8,36
